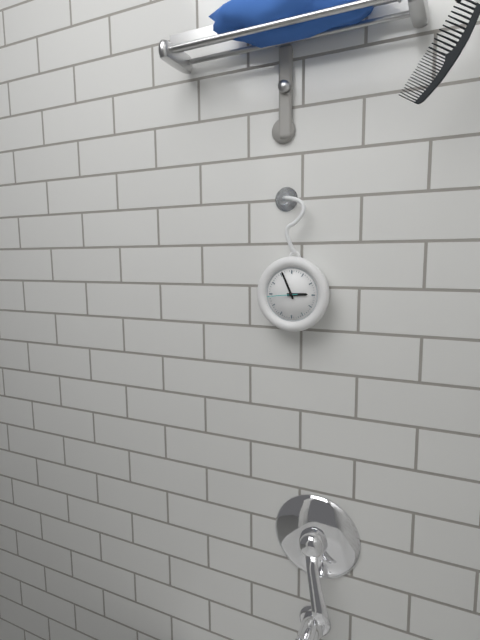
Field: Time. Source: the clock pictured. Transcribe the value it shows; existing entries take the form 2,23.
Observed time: 2,56
